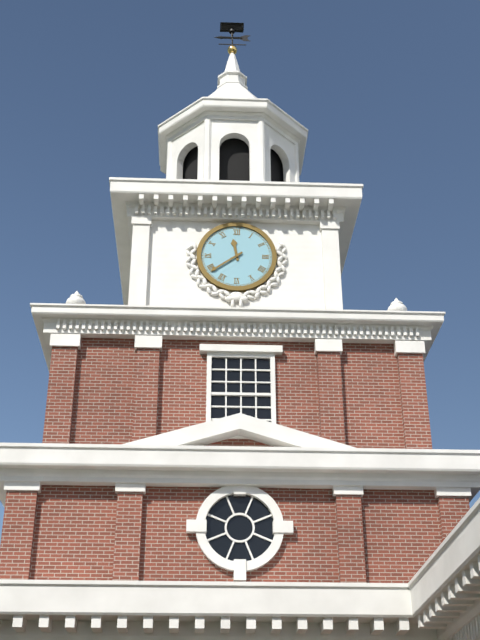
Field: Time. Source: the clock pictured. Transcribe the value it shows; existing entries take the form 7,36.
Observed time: 11,39
